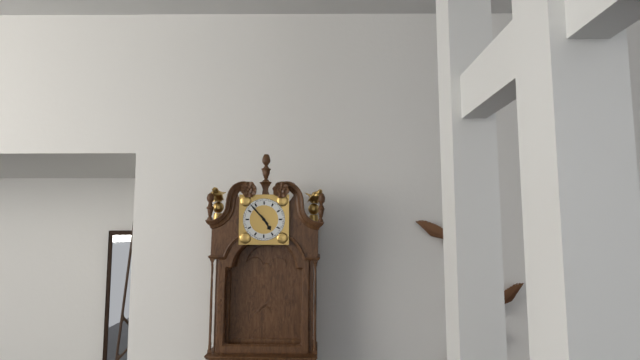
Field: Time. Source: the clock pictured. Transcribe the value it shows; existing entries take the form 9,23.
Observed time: 4,53
